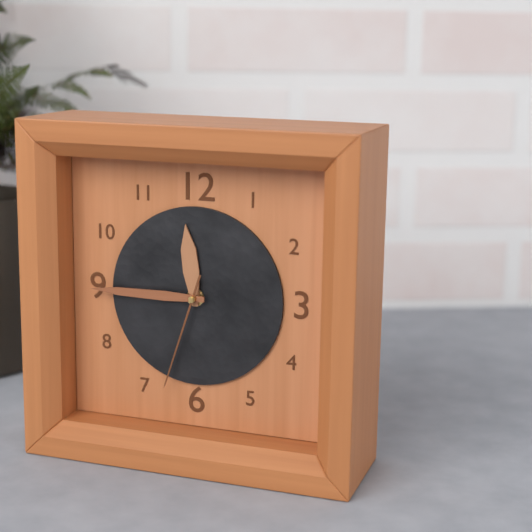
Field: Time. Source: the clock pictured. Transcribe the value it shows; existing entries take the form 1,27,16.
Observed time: 11,45,33
